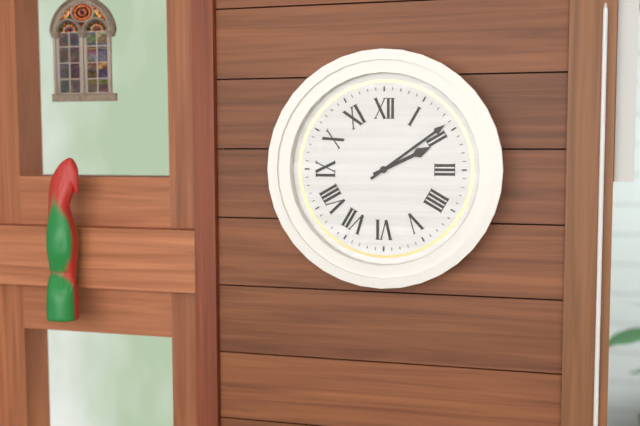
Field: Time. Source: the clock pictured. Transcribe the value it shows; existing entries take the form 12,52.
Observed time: 2,09
